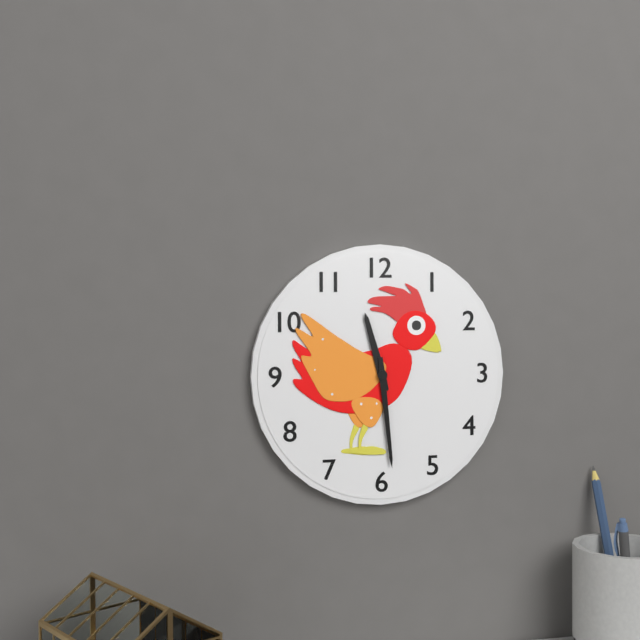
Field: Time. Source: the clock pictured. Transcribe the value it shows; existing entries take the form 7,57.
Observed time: 11,29
